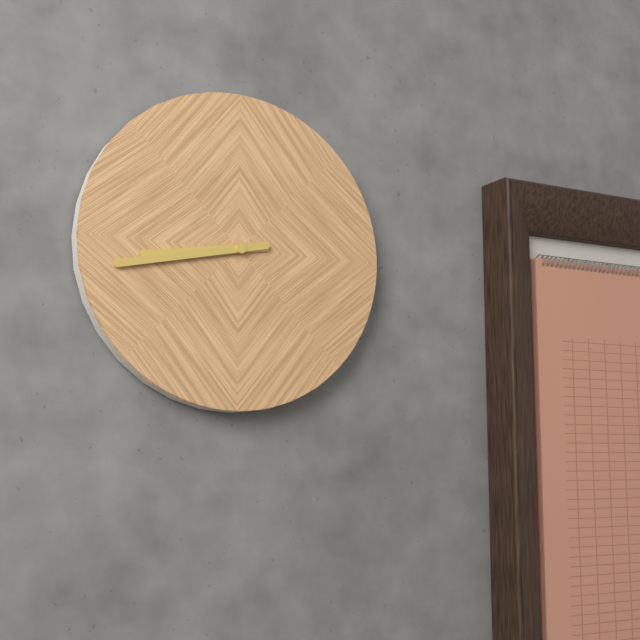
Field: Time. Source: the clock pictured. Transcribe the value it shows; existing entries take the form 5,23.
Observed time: 8,43
